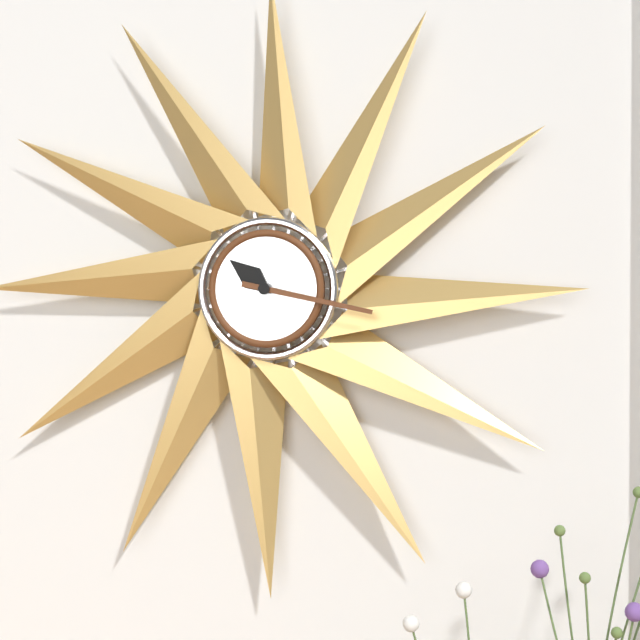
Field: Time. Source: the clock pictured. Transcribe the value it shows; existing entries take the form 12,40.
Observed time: 10,17
